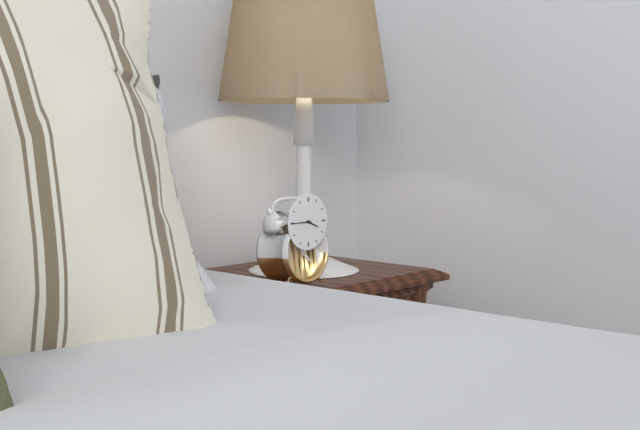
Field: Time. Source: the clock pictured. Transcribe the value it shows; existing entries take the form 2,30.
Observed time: 3,45
